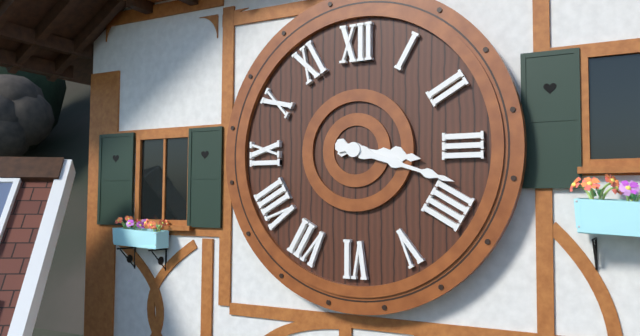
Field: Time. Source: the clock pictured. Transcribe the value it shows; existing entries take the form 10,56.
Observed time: 3,18
